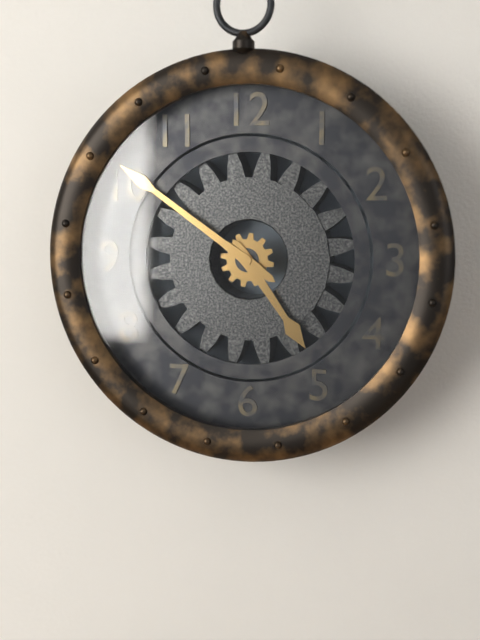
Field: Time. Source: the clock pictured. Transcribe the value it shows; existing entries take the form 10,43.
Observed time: 4,51
